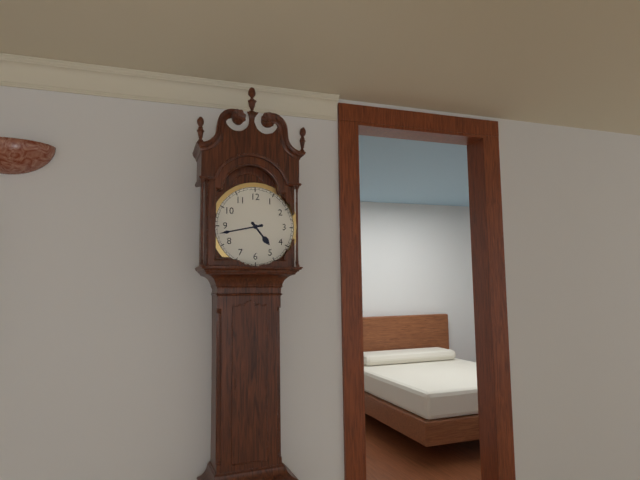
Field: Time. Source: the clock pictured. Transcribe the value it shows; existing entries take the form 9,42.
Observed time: 4,43
